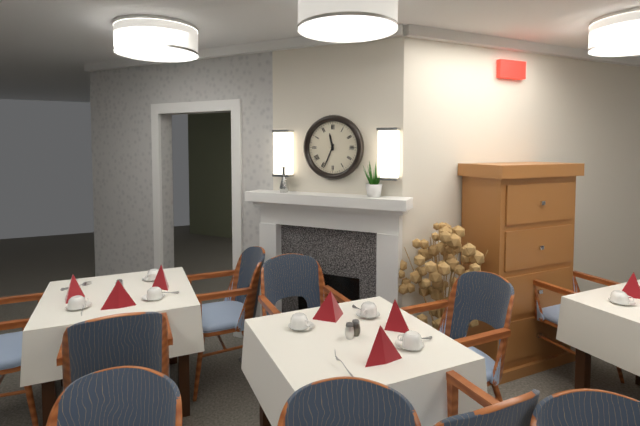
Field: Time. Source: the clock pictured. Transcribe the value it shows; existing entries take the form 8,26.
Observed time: 11,34
